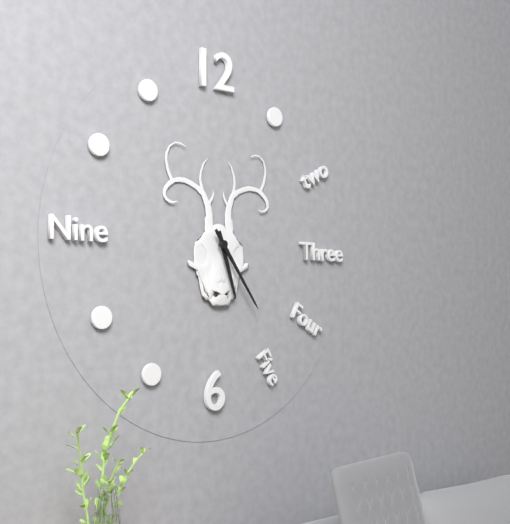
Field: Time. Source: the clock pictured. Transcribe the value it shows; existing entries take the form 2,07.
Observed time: 5,24
